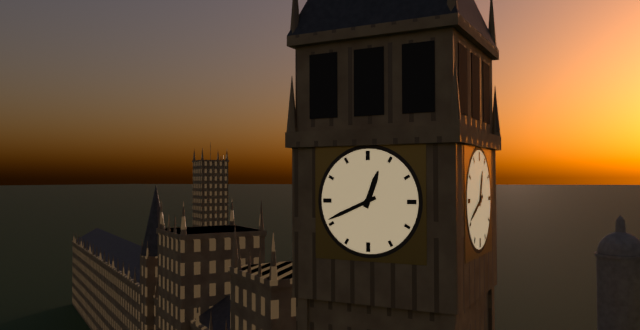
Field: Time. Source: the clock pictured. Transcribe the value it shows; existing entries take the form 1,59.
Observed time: 12,41
